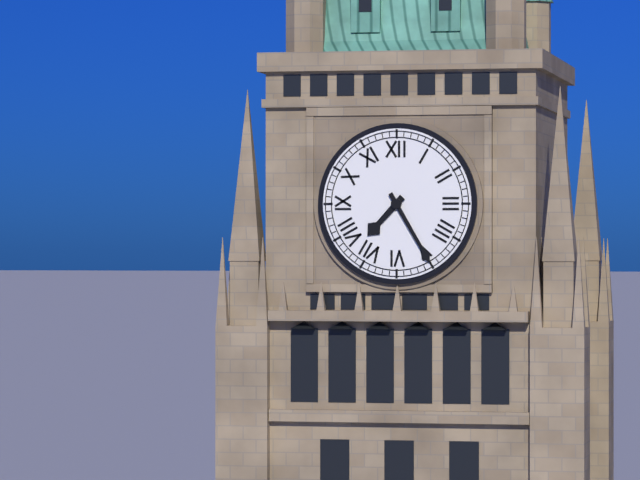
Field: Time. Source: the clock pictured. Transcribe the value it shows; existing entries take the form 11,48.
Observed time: 7,25
